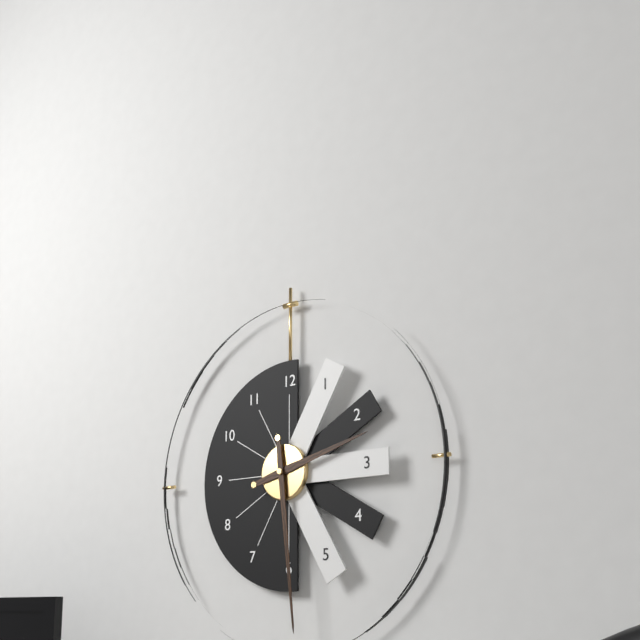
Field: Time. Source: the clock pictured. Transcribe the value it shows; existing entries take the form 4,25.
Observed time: 2,29
